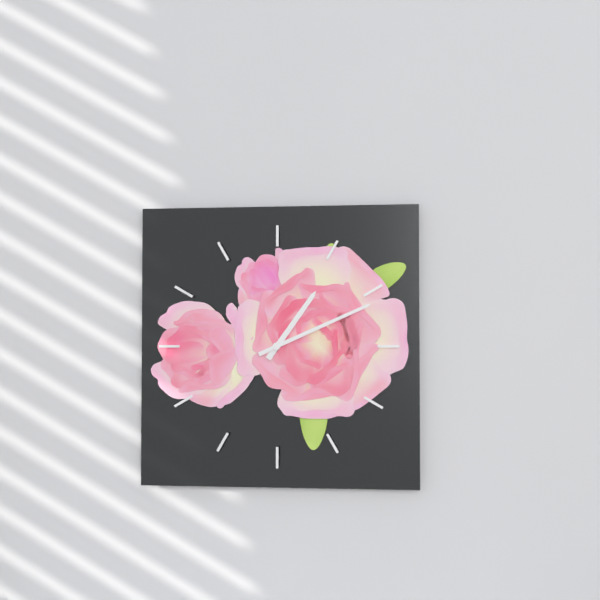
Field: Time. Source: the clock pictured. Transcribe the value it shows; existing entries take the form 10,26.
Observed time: 1,11
